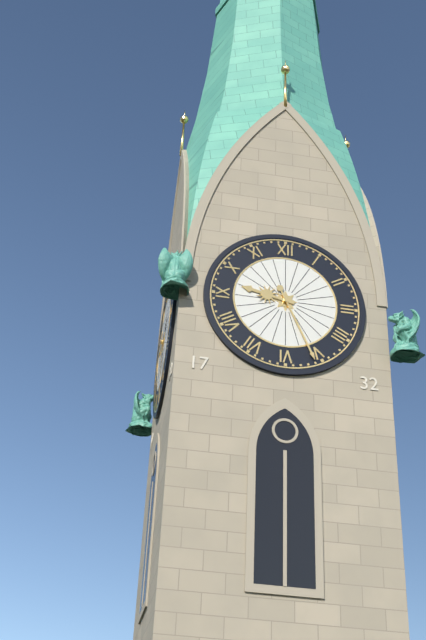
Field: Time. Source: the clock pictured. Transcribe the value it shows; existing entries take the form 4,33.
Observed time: 9,26
